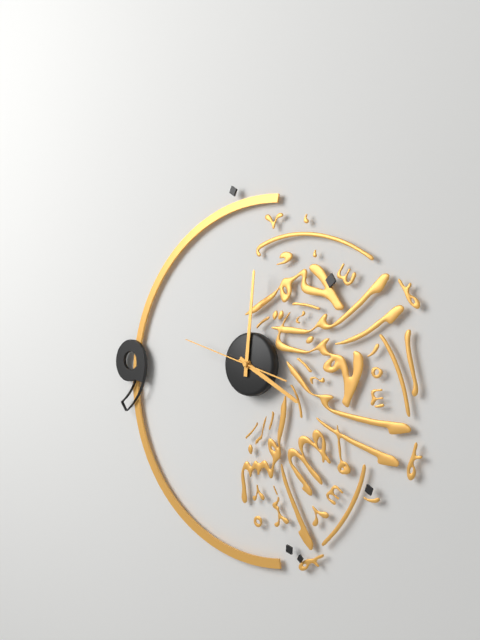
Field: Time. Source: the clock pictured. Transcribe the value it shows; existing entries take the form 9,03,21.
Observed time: 4,01,48
